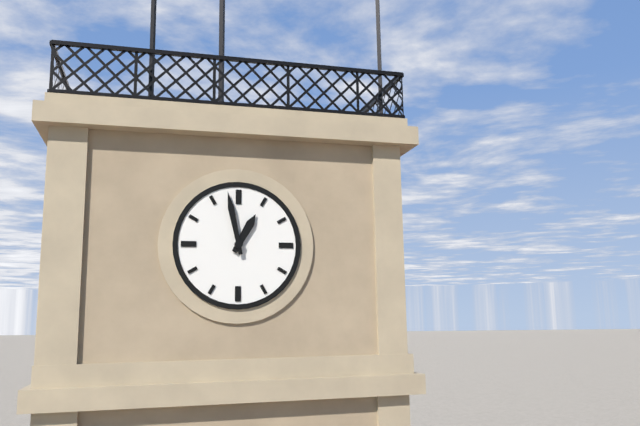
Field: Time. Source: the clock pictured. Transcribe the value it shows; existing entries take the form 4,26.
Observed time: 12,58
